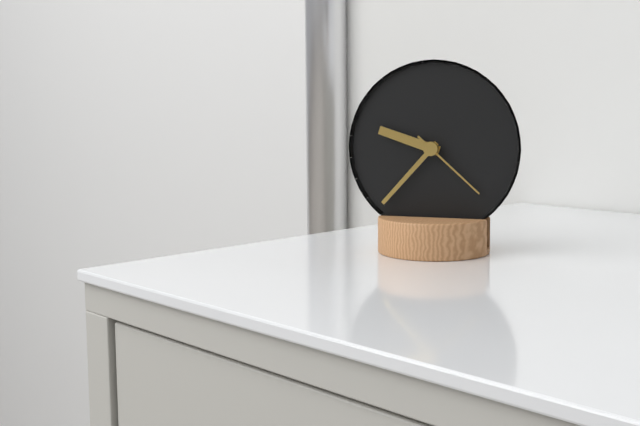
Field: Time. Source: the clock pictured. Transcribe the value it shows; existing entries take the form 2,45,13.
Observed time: 9,37,22
